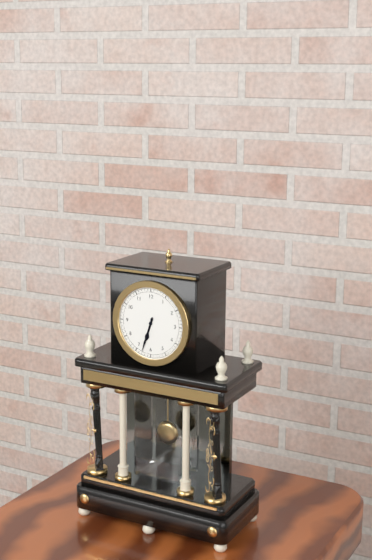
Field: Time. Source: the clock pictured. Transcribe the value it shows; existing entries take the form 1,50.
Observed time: 6,33
